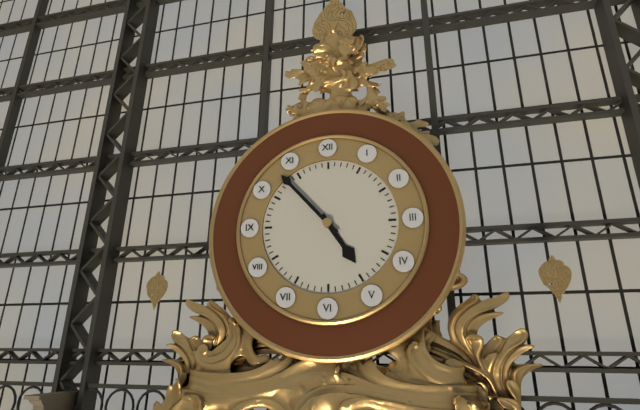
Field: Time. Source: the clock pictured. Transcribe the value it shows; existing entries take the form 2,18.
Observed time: 4,53
